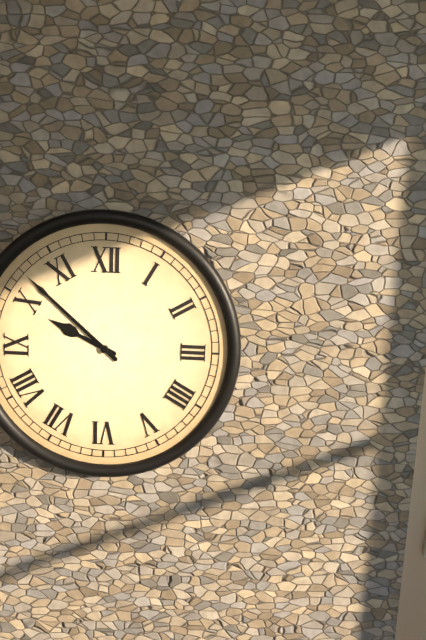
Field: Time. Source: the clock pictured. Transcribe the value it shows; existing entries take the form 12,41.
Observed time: 9,52
